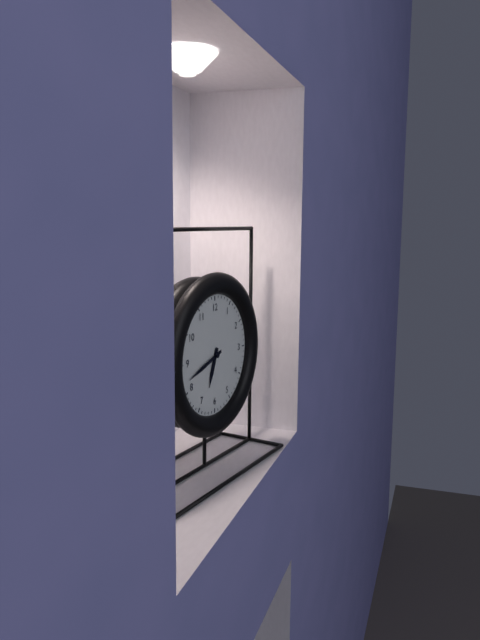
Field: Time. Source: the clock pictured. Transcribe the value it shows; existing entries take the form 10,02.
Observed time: 6,42
